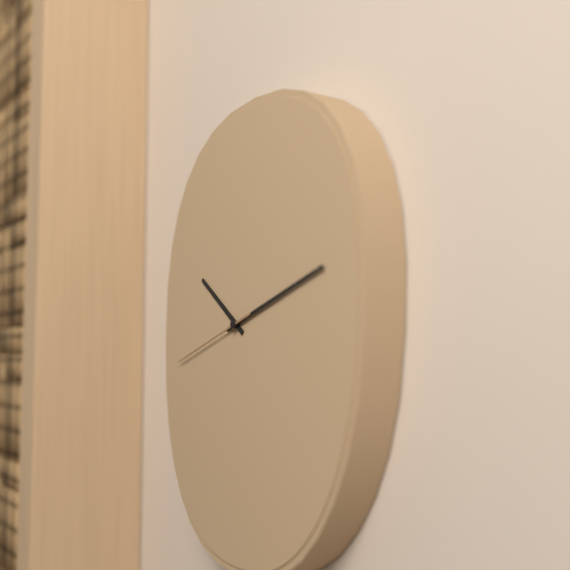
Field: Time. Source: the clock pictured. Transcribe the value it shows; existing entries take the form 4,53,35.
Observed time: 10,12,42
